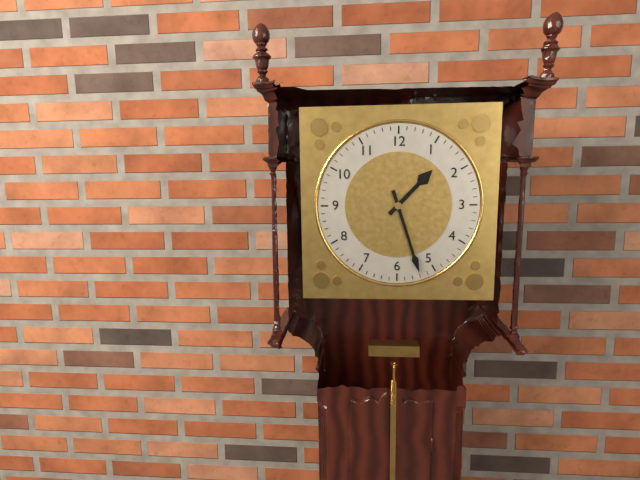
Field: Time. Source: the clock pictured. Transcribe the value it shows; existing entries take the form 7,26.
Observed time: 1,27
